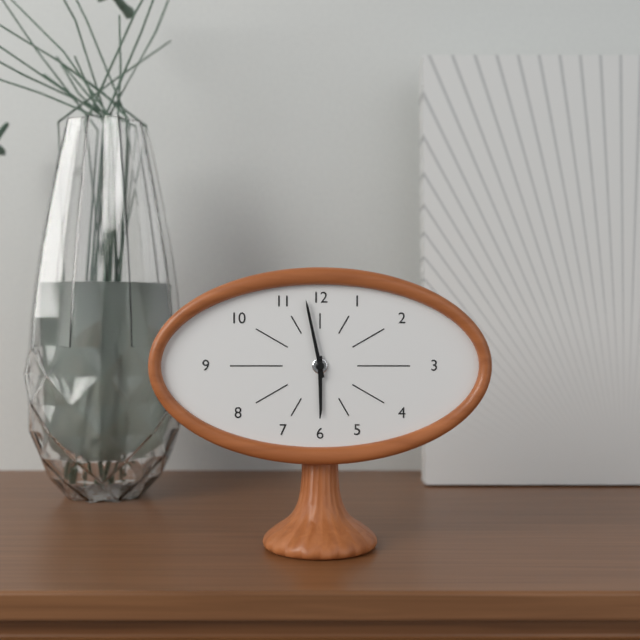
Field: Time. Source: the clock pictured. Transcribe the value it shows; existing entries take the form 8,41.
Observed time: 5,58
